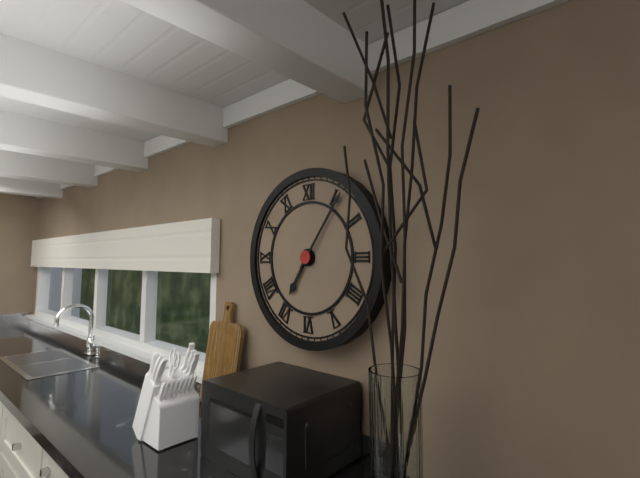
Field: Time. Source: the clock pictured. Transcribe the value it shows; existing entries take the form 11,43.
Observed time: 7,06
